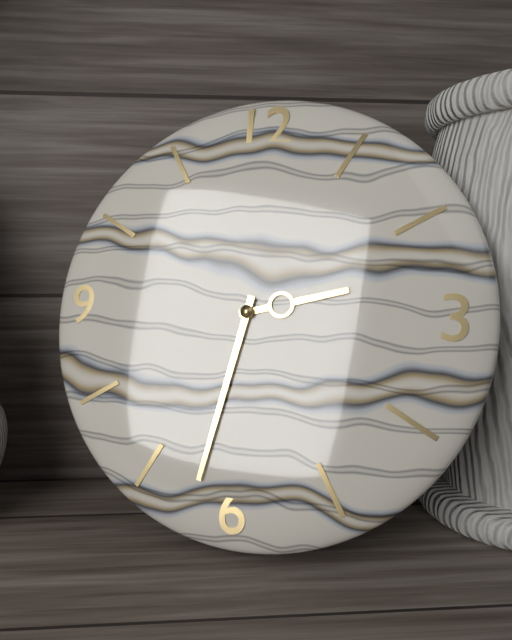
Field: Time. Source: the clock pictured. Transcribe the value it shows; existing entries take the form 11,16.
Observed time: 2,32
